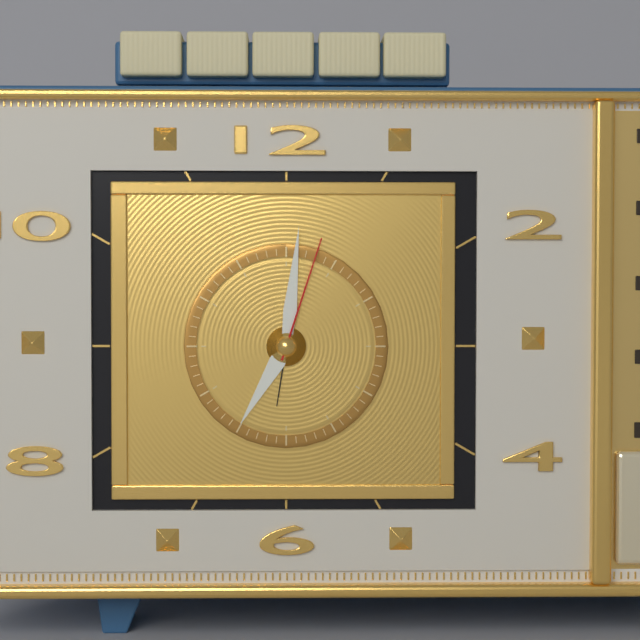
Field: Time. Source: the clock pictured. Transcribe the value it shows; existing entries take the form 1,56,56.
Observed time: 7,01,03
